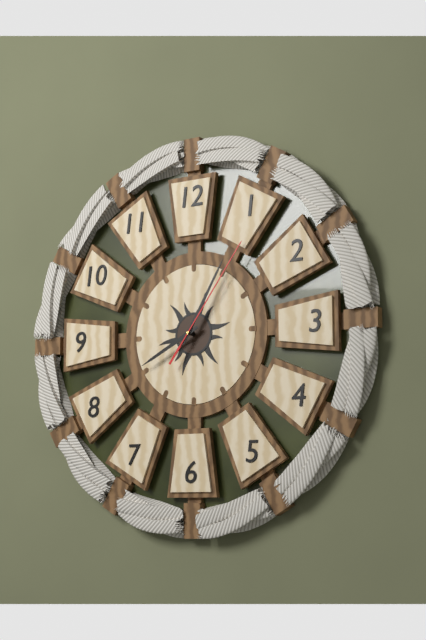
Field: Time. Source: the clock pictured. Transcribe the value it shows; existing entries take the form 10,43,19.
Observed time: 8,05,06
